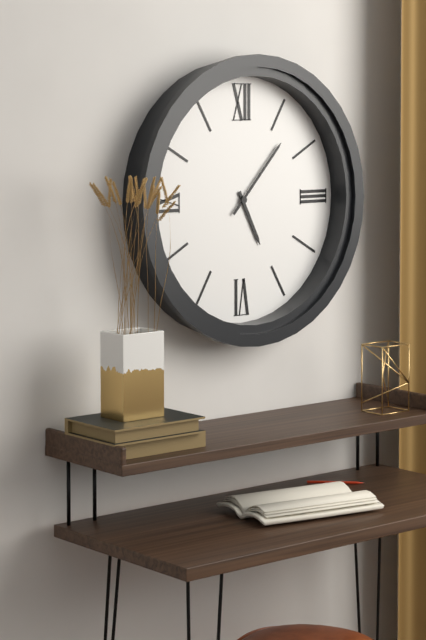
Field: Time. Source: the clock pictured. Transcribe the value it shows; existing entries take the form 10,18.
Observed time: 5,07
